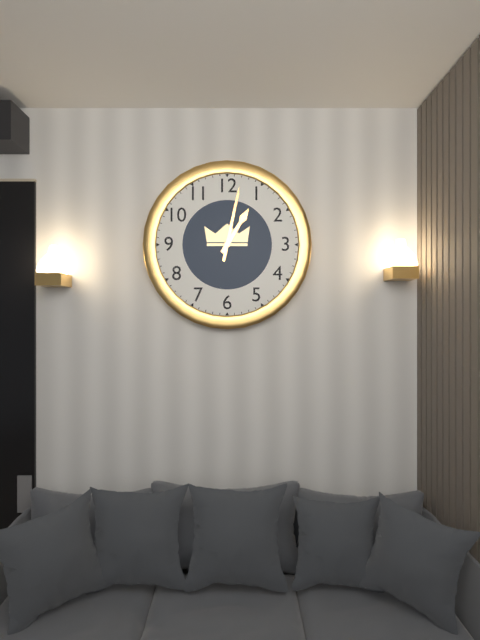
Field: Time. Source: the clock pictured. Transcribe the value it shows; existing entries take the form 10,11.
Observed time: 1,02
